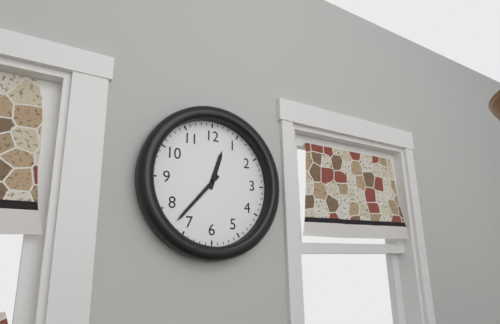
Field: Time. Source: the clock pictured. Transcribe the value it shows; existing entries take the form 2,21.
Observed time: 12,37
